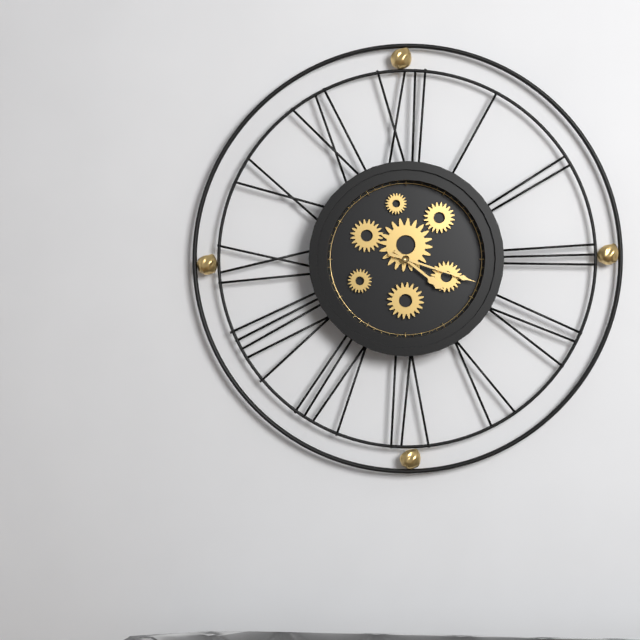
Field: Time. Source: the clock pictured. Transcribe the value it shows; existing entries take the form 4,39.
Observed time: 4,18
